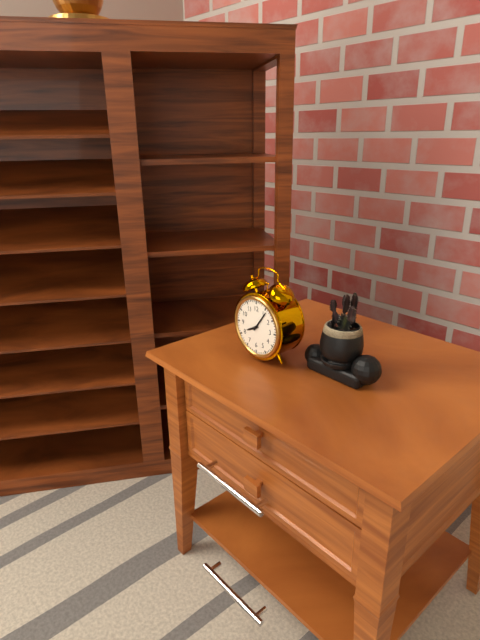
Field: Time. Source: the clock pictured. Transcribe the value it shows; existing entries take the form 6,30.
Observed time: 8,06
